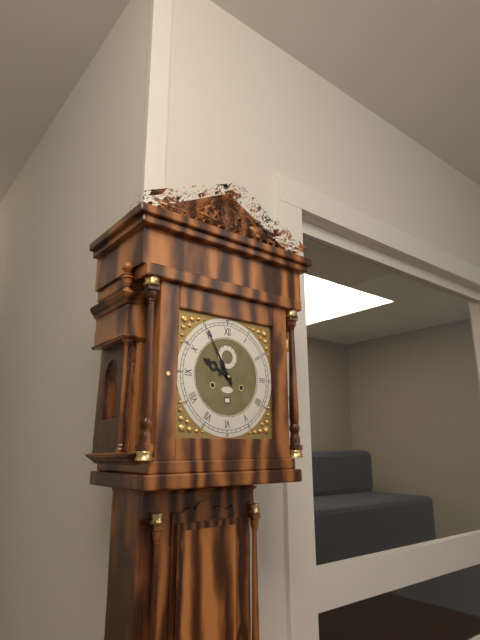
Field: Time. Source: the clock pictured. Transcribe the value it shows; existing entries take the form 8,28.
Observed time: 9,55
